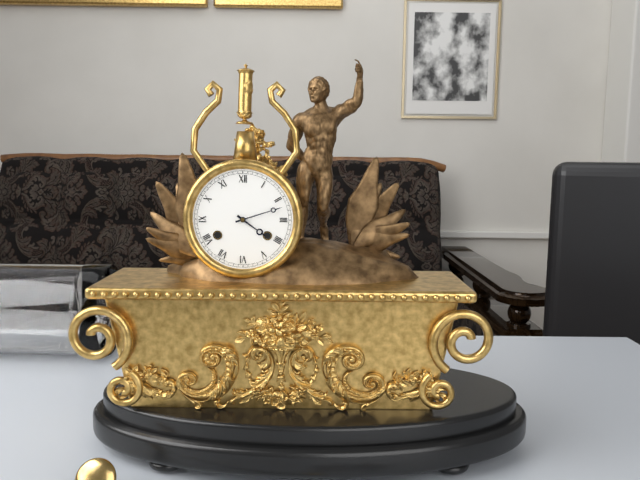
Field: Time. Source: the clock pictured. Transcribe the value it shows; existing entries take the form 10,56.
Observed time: 4,12
